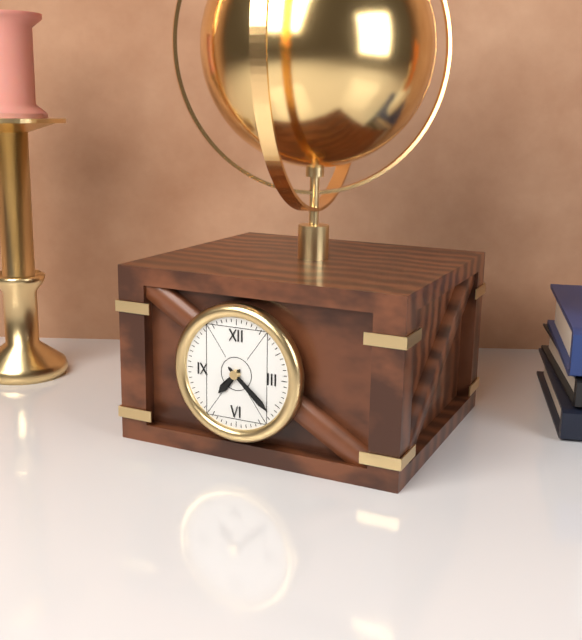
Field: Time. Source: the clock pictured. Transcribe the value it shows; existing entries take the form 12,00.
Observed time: 7,22
